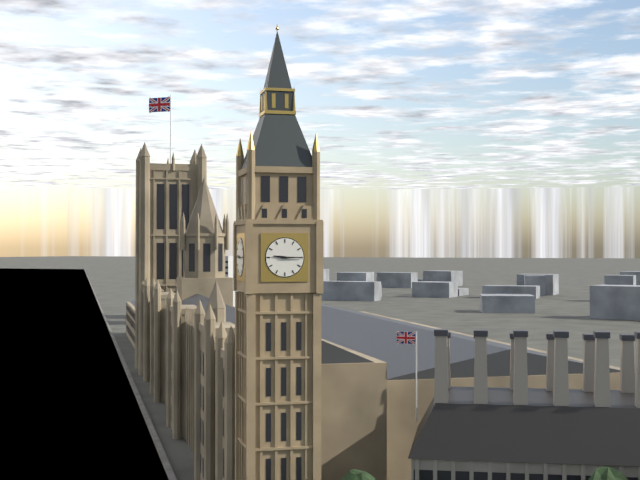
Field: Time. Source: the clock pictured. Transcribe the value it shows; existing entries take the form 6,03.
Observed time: 9,15
